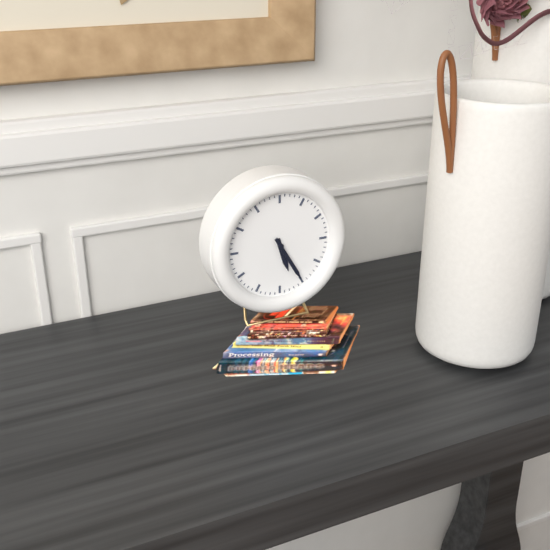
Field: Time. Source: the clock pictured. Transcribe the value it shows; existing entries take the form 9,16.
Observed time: 5,25
